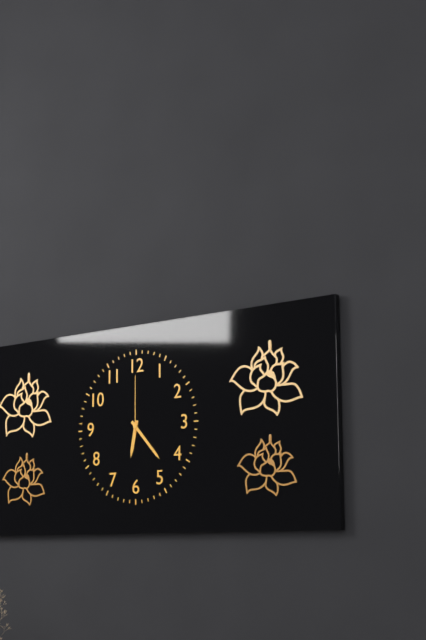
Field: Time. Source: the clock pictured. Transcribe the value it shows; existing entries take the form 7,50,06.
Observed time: 6,23,00
